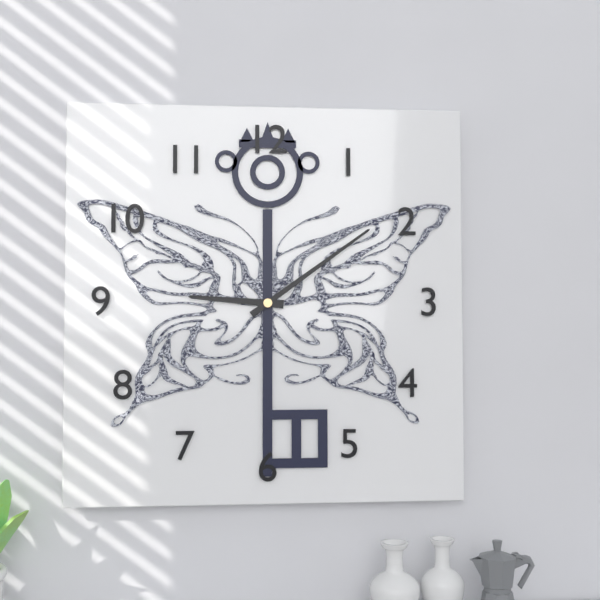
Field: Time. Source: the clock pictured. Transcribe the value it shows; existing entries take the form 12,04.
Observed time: 9,09
